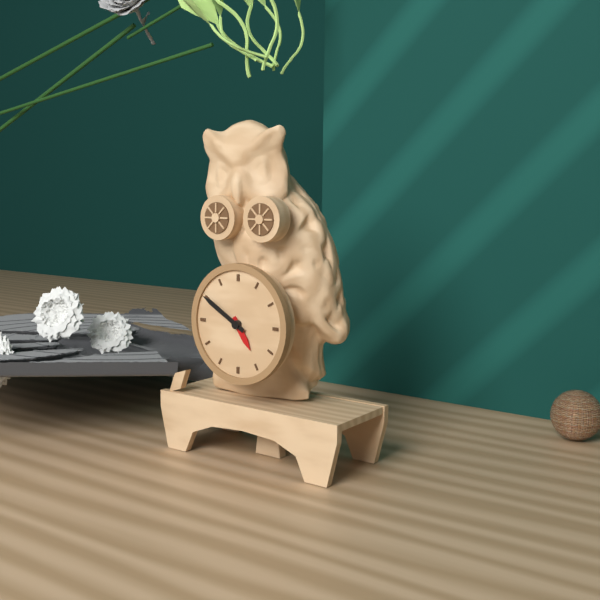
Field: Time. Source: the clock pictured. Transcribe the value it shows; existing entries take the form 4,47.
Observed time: 4,50
